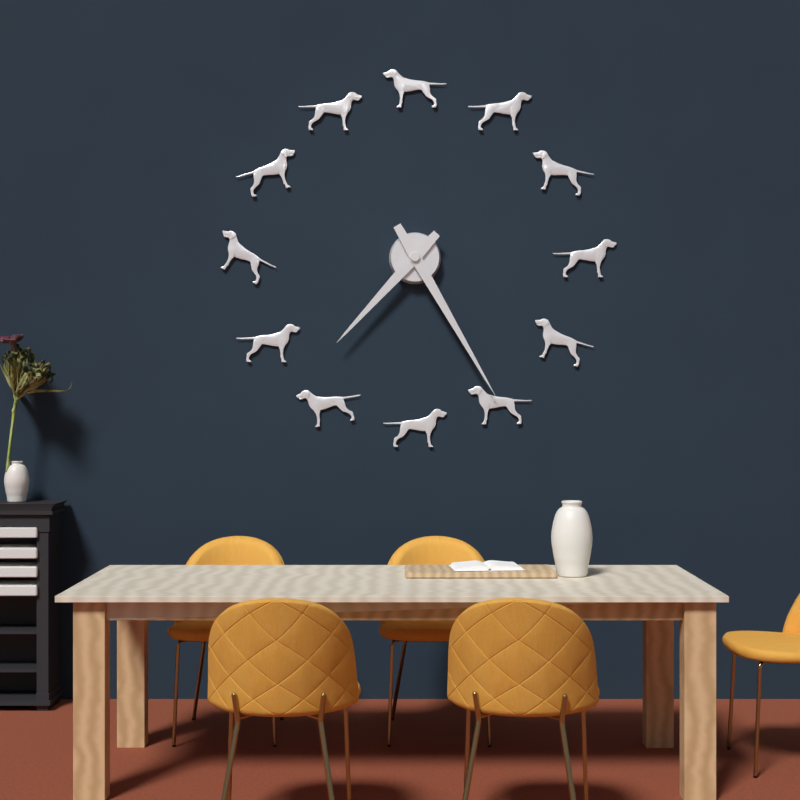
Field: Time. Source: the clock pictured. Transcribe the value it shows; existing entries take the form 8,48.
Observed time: 7,25
